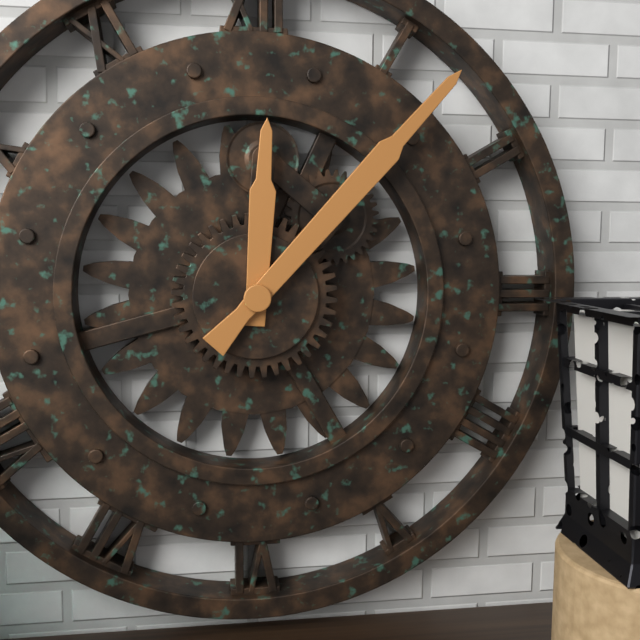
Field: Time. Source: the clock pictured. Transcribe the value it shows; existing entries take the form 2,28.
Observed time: 12,07
